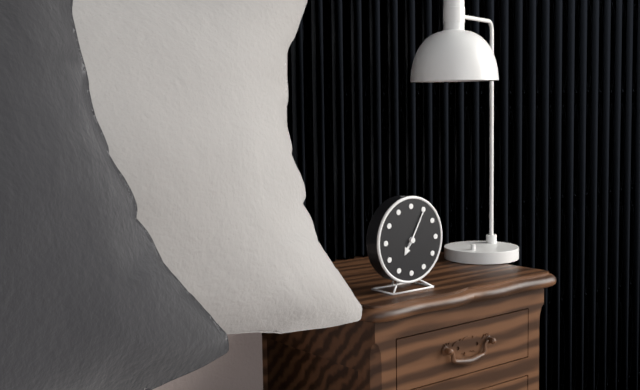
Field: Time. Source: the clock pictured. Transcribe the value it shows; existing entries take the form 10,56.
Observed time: 7,05
